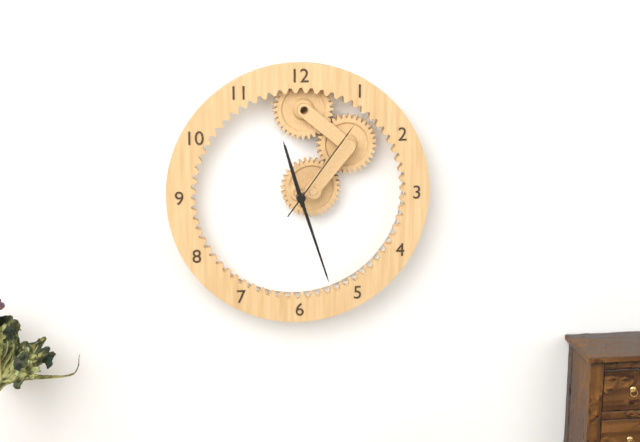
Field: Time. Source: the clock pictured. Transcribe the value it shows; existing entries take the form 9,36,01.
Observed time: 11,27,06
